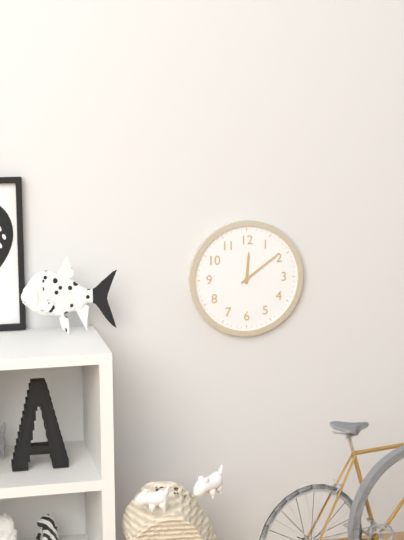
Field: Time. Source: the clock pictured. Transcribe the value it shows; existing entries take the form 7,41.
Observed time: 12,09
